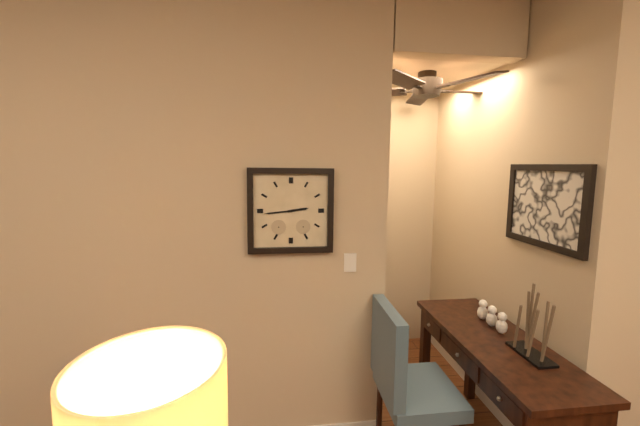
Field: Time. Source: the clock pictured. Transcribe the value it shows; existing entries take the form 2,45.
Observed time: 2,44
